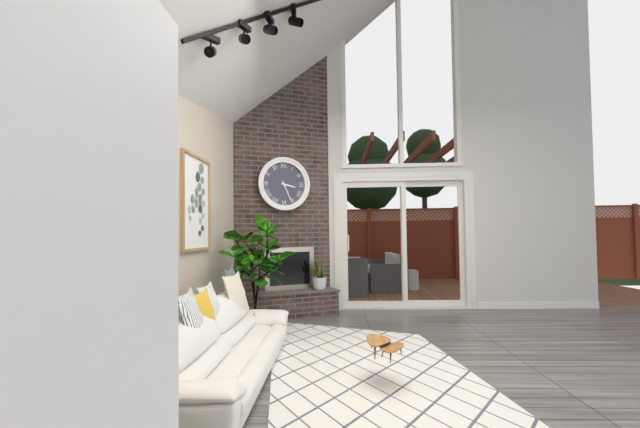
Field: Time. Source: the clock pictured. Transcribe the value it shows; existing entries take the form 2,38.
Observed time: 3,26
